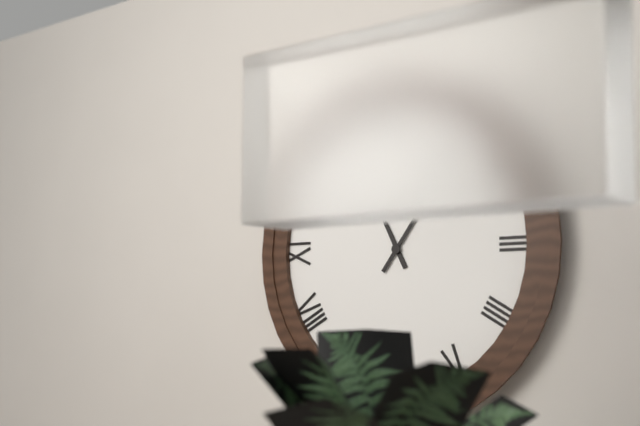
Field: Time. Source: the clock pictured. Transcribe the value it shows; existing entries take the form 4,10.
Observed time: 11,06
